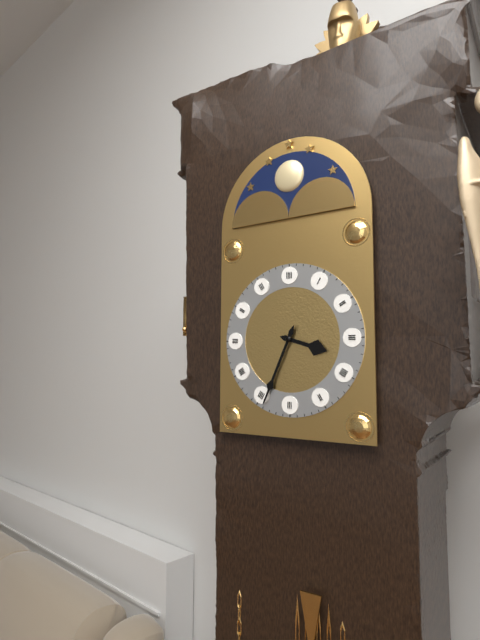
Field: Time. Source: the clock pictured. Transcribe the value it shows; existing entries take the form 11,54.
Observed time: 3,34
